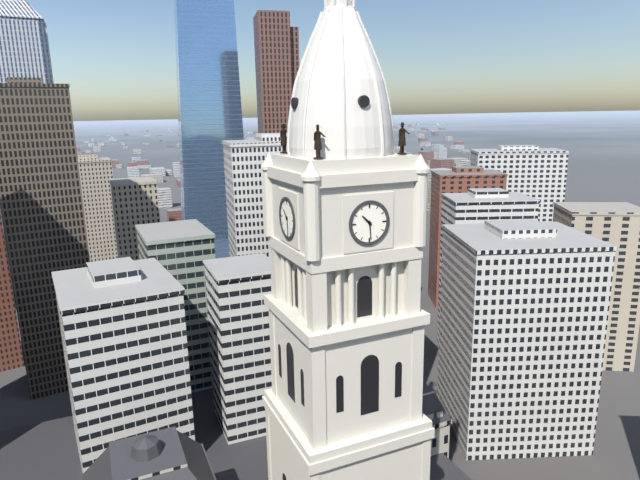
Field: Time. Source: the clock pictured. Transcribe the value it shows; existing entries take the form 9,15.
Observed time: 10,29
